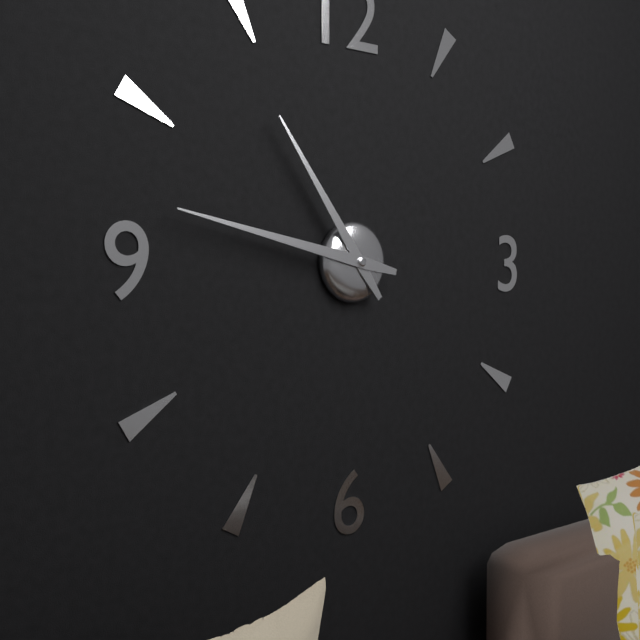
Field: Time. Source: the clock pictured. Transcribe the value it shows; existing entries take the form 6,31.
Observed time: 10,47
